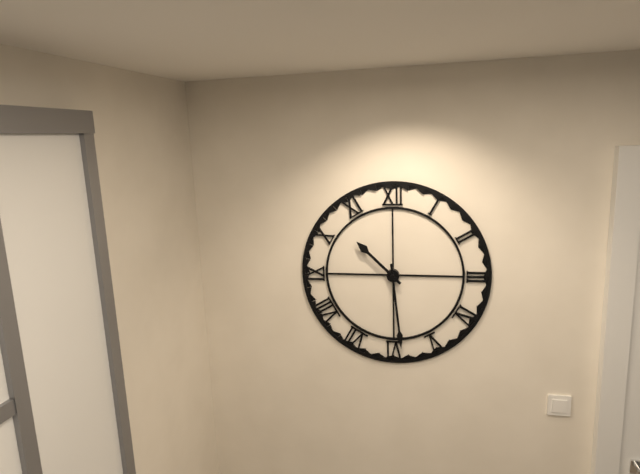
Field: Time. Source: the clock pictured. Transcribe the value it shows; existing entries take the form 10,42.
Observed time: 10,29
